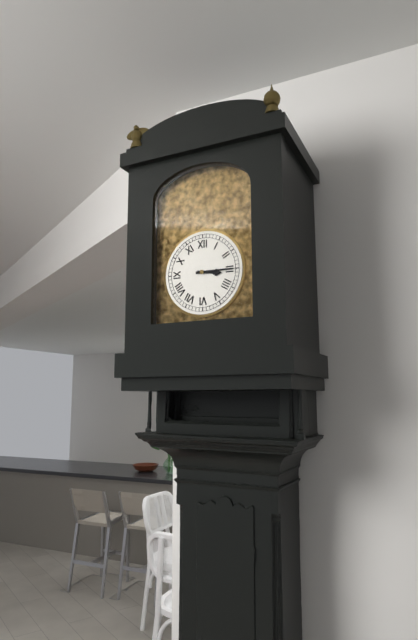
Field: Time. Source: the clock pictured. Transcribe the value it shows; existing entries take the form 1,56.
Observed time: 3,15
